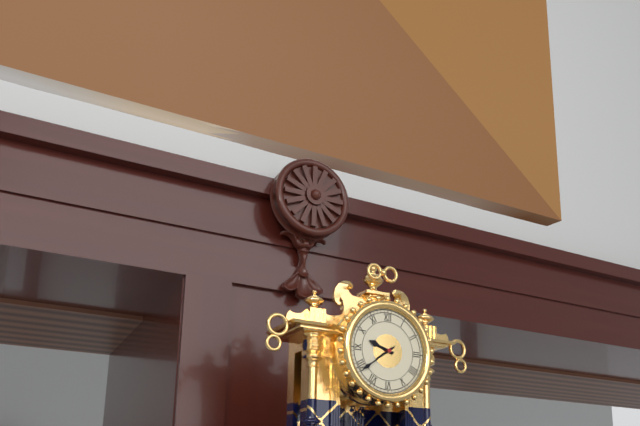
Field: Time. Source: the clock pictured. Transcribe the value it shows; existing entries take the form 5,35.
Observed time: 9,39
